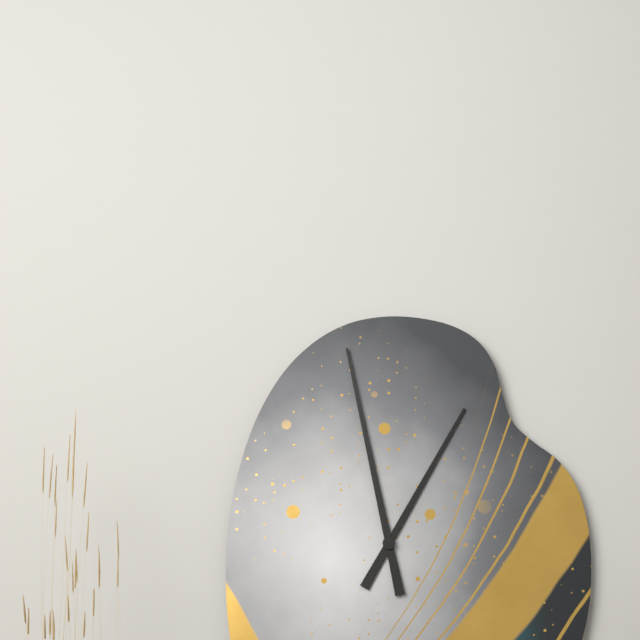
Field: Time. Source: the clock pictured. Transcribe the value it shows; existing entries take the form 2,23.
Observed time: 12,58
